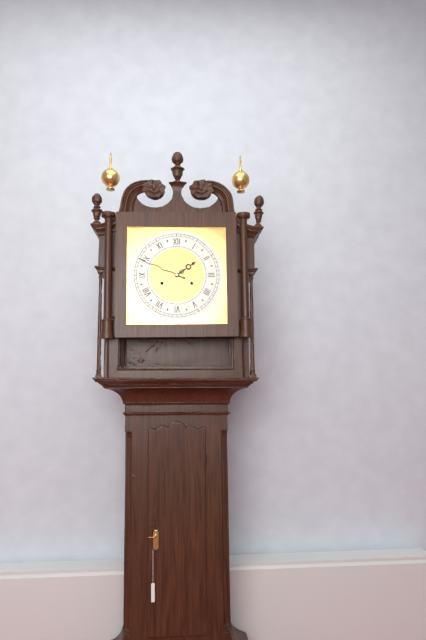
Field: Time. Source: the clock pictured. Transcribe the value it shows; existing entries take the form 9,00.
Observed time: 1,49
